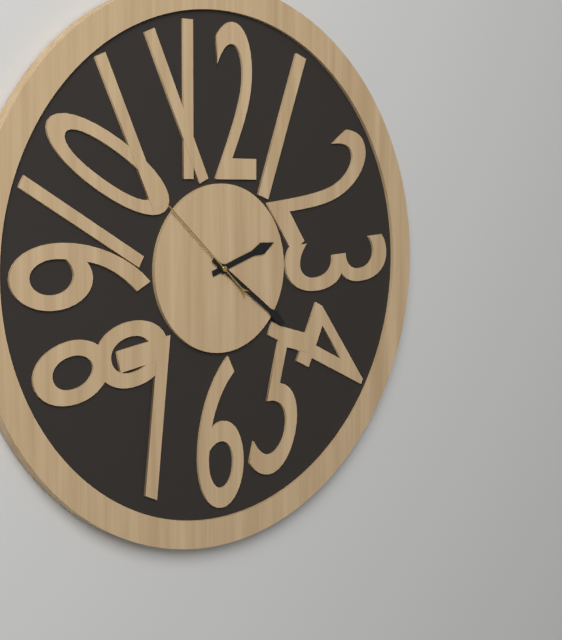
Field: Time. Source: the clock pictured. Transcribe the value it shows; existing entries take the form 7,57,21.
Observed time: 2,21,52
